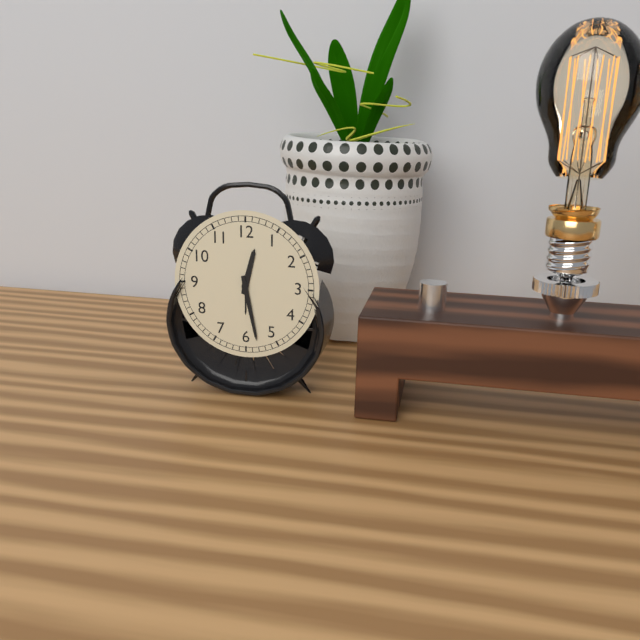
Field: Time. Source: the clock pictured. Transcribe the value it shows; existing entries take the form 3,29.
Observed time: 12,28
